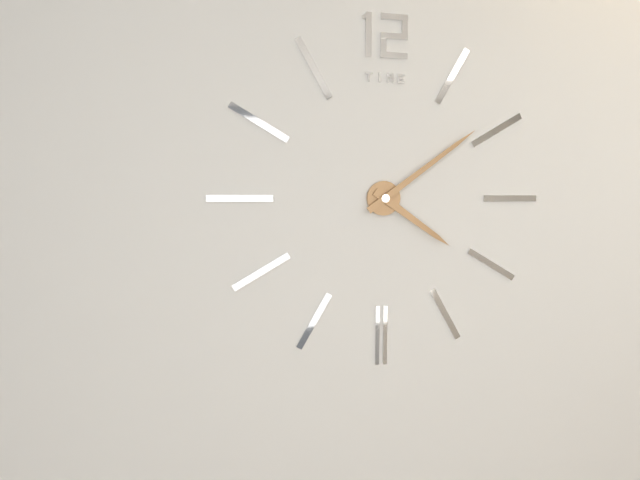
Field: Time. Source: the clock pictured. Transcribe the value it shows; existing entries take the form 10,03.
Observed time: 4,09
